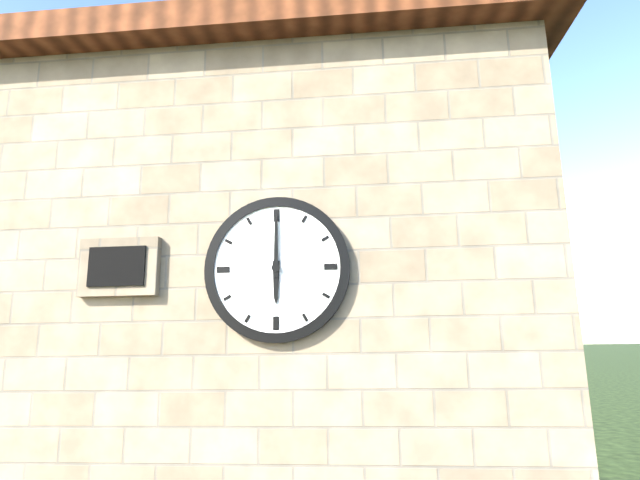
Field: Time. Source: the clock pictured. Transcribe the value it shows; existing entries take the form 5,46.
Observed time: 6,00
